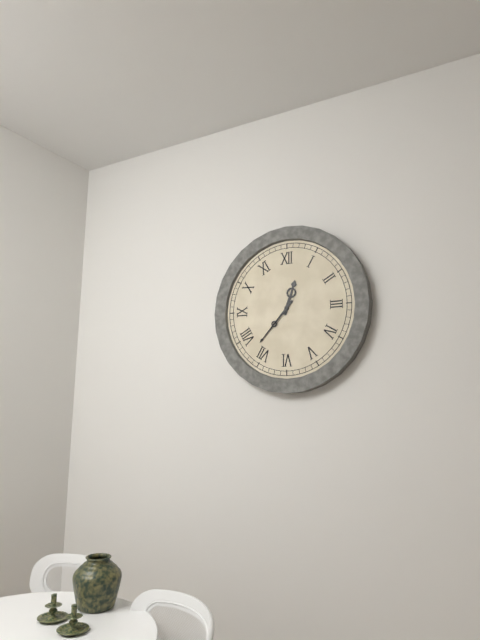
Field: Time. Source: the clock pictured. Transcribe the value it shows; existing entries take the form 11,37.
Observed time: 12,37
